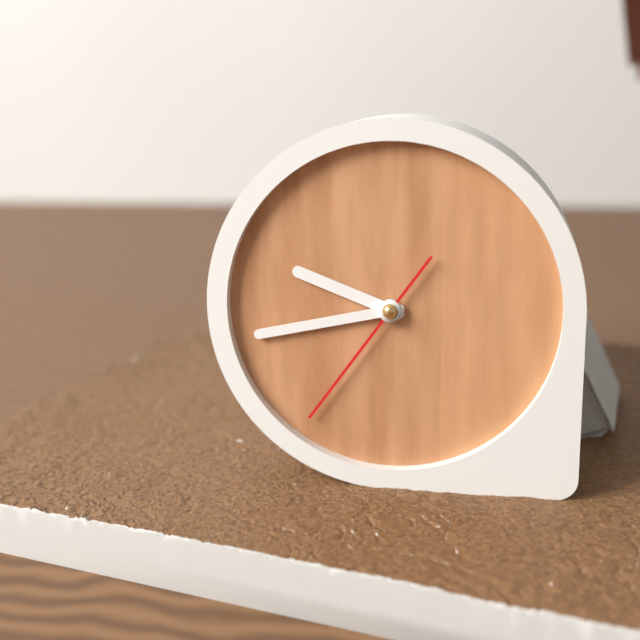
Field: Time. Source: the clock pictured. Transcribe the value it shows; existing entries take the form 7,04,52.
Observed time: 9,43,36
